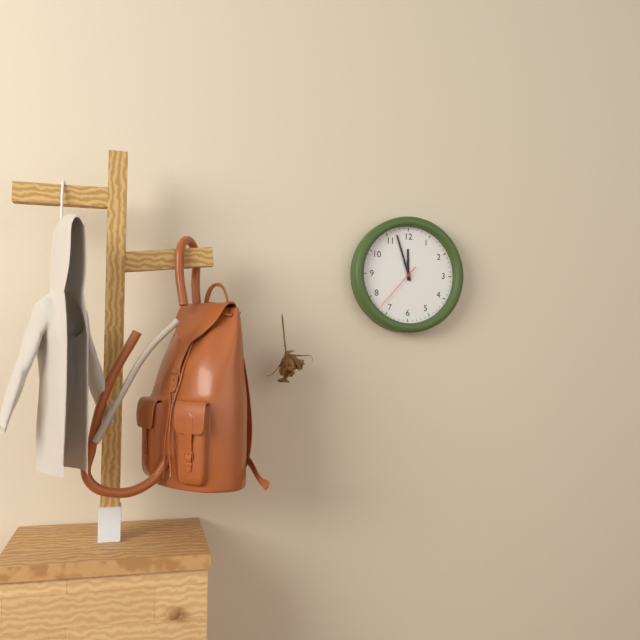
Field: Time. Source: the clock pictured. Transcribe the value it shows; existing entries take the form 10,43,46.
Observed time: 11,57,37
